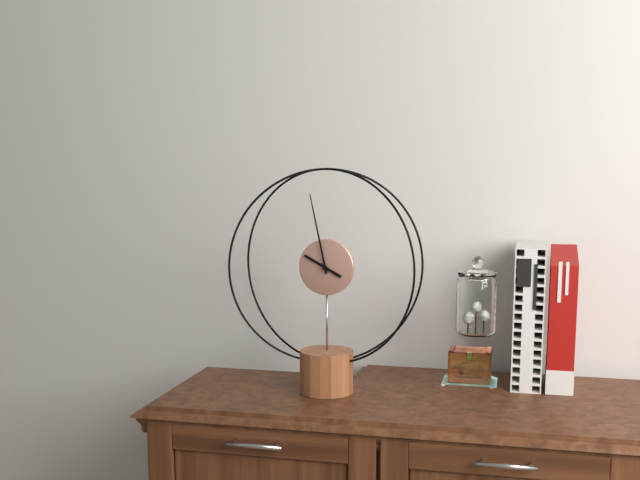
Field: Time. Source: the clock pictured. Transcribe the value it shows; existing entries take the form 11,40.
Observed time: 9,58
